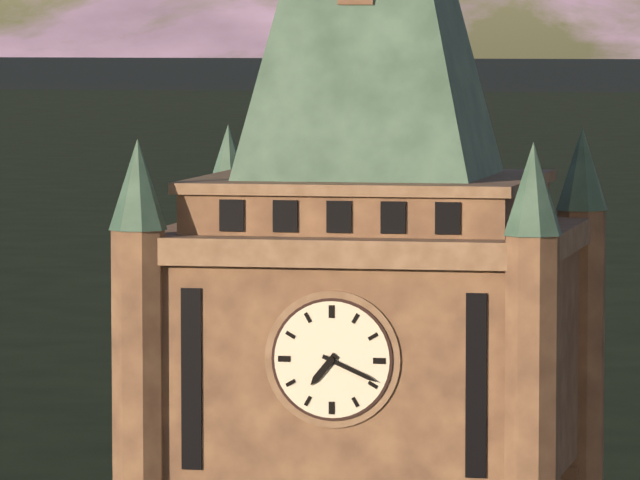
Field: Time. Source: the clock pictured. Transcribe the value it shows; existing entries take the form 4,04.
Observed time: 7,19
